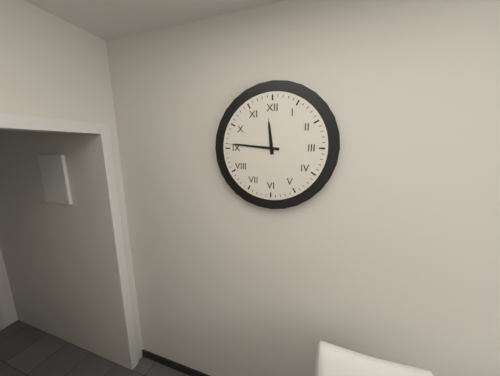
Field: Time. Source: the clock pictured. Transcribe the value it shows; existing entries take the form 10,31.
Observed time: 11,46
